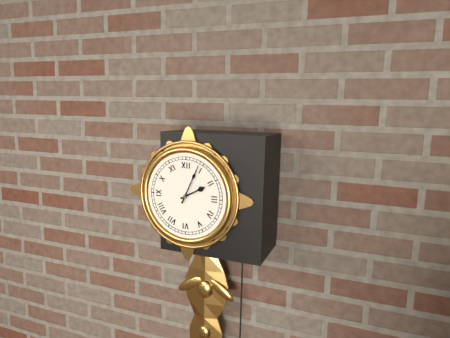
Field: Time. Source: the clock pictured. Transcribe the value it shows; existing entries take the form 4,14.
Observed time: 2,04
